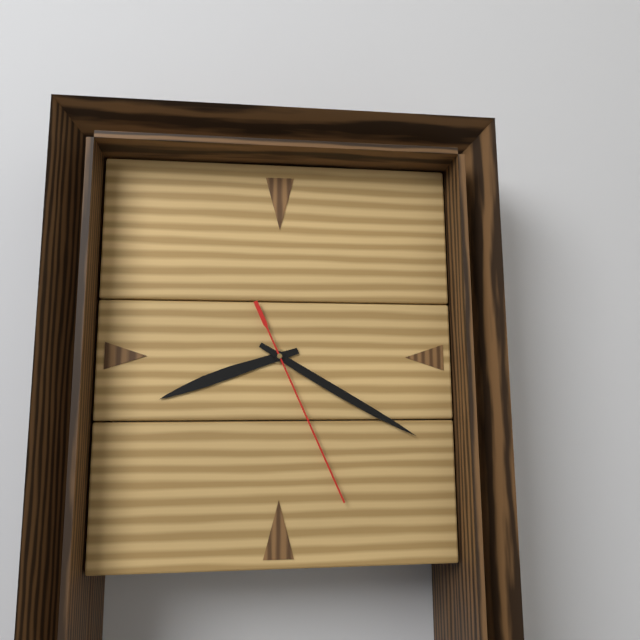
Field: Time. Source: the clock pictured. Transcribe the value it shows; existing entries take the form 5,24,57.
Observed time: 8,20,26
